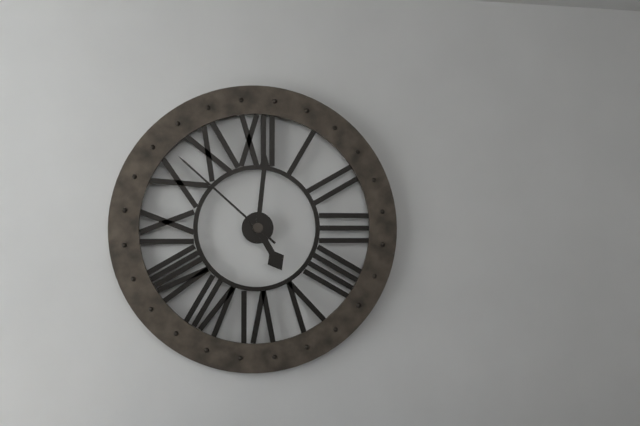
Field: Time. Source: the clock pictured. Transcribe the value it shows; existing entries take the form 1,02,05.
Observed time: 5,01,52
